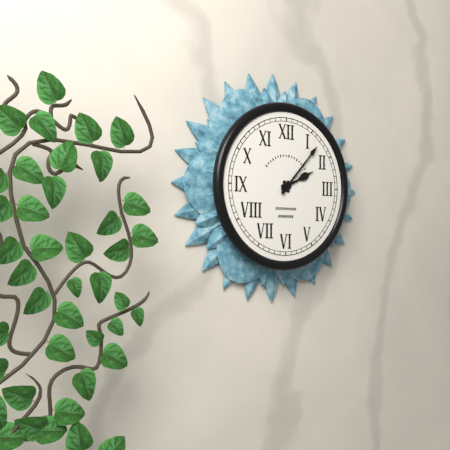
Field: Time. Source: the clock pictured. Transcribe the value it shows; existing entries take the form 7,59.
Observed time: 2,07
